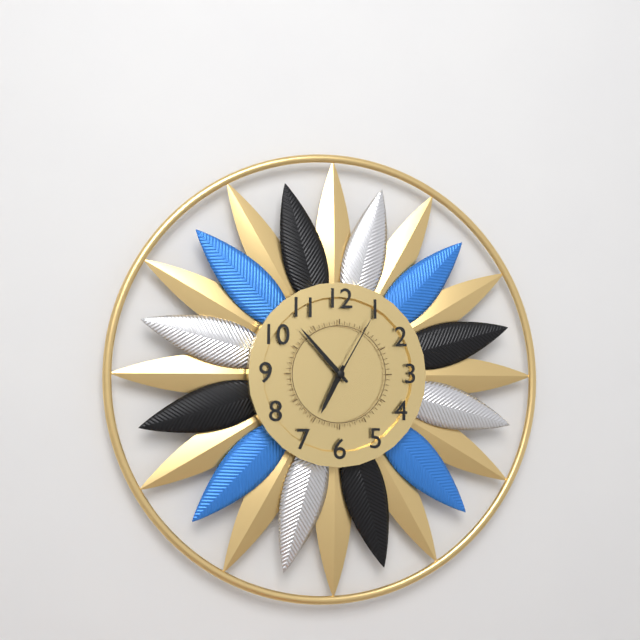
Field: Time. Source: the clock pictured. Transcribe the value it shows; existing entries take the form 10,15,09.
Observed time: 6,53,05
